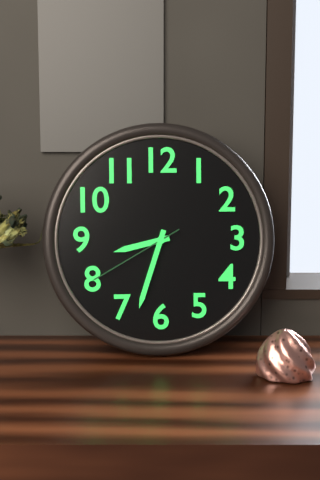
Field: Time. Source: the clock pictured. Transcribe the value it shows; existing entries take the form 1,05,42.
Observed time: 8,33,40
